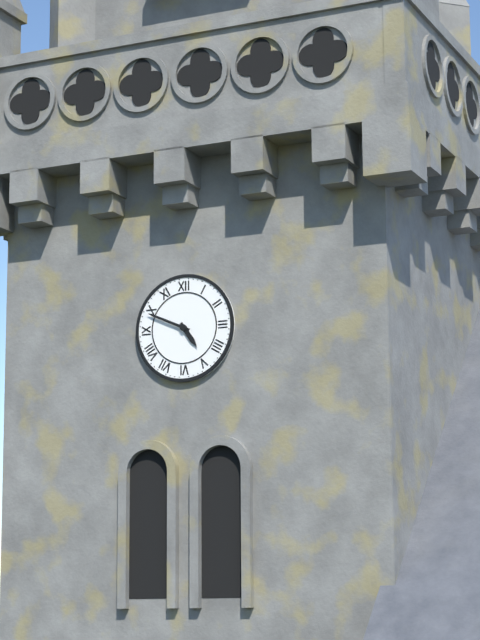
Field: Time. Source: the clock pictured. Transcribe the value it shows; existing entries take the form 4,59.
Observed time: 4,49
